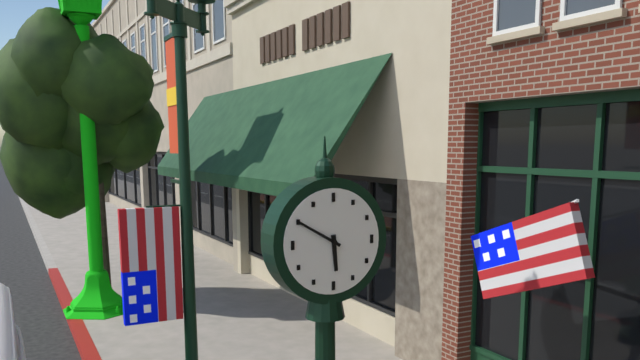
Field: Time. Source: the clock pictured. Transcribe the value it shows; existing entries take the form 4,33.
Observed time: 5,50
